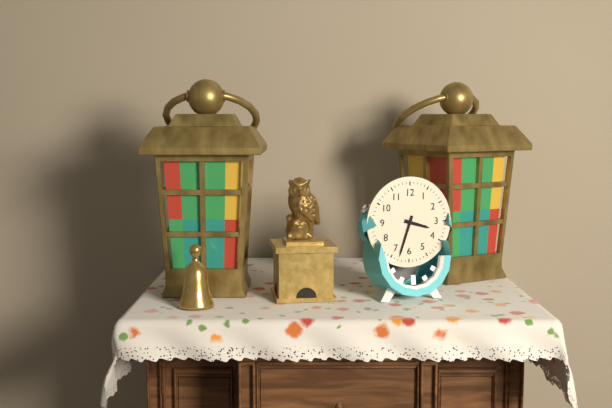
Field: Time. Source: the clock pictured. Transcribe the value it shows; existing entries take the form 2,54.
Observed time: 3,33
